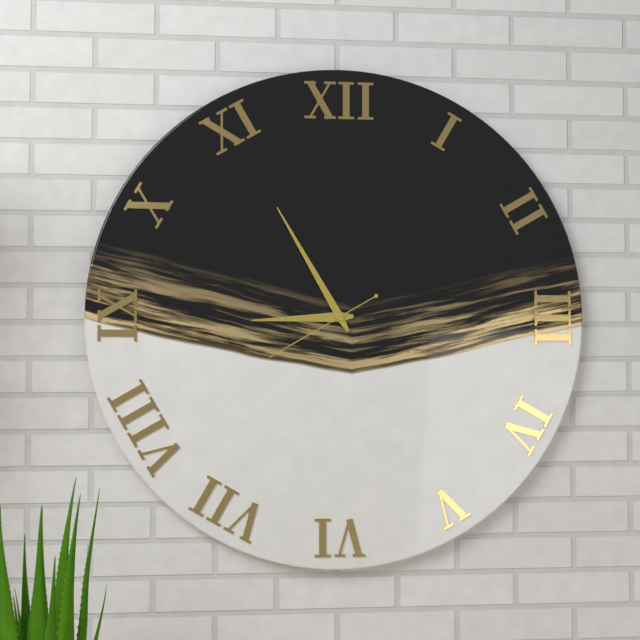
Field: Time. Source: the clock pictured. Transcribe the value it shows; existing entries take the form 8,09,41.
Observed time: 8,55,40
